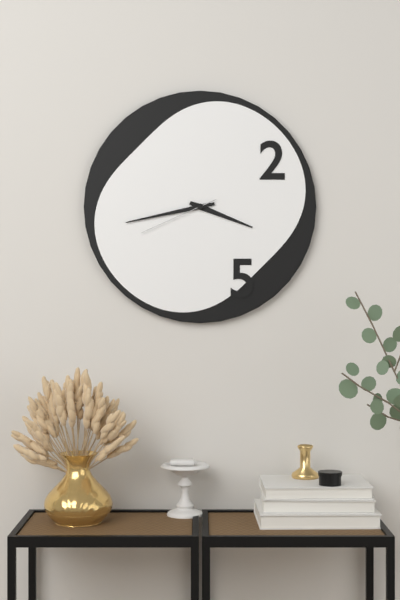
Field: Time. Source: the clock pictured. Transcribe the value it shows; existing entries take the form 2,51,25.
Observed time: 3,43,41
